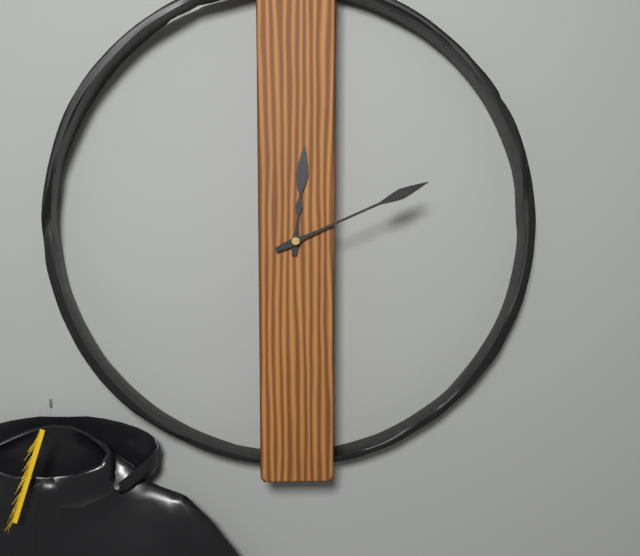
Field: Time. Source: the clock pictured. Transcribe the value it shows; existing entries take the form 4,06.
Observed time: 12,11
